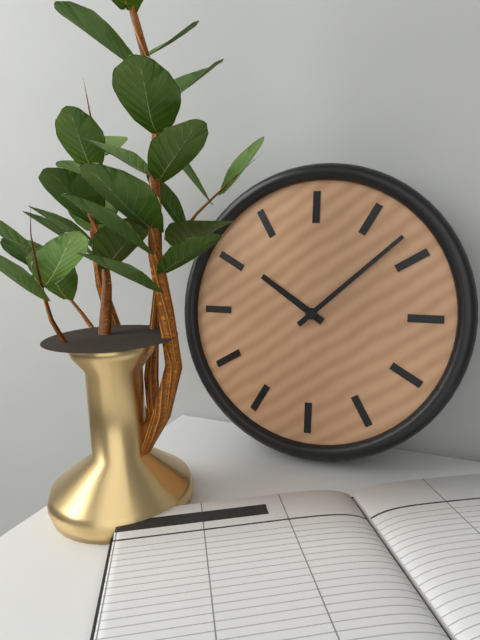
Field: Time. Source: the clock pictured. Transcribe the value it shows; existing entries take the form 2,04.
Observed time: 10,08
